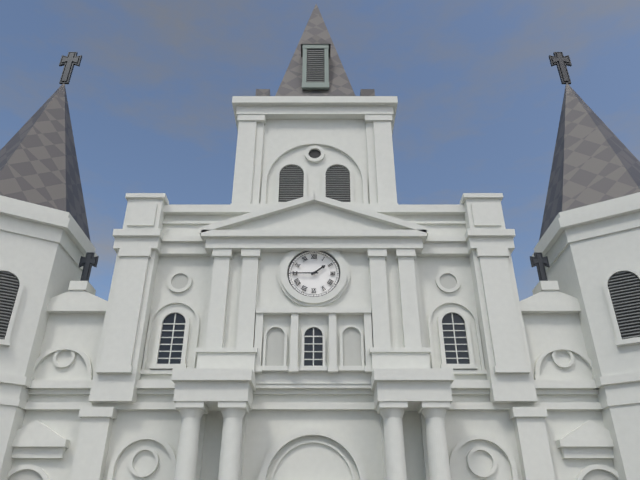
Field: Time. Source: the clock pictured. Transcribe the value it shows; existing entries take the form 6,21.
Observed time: 1,45
